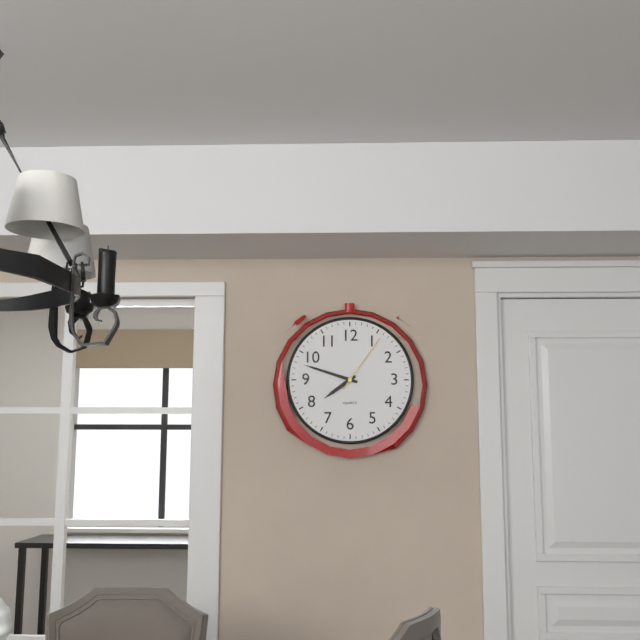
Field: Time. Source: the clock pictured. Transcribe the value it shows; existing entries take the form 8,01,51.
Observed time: 7,48,06
